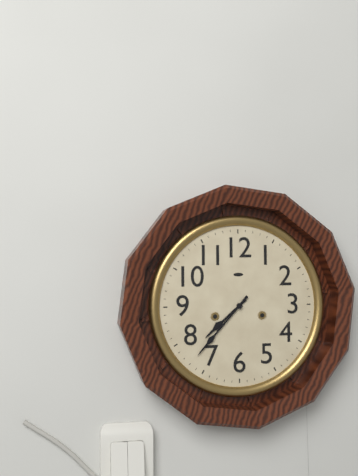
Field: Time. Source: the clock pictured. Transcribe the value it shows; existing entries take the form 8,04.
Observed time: 7,37
